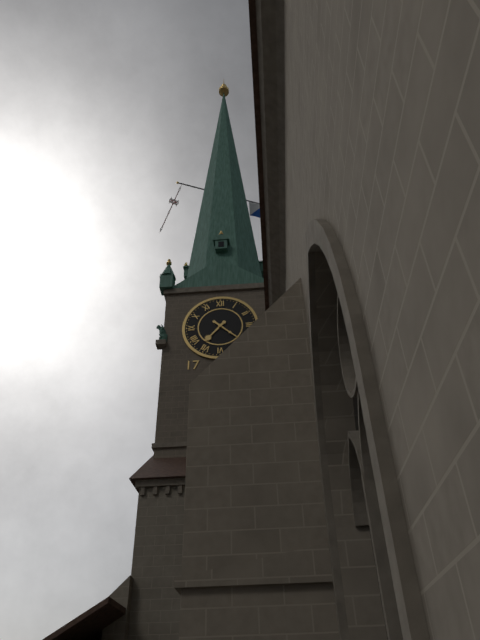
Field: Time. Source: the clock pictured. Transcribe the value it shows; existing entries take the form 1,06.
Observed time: 7,22
